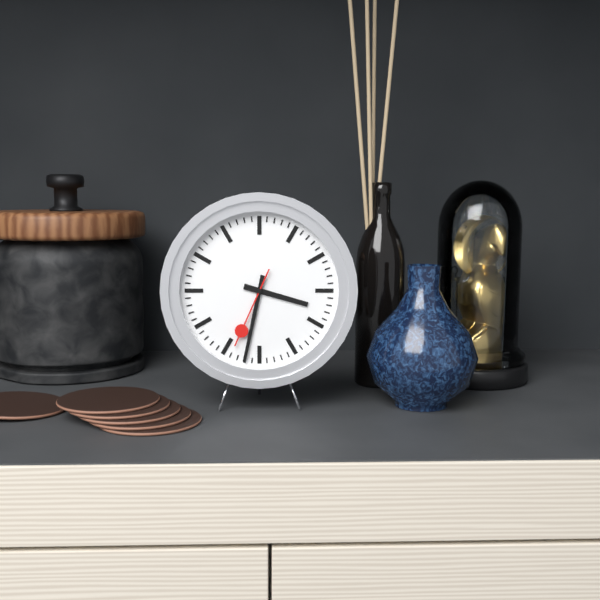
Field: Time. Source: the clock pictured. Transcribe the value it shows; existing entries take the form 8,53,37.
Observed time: 3,32,34
